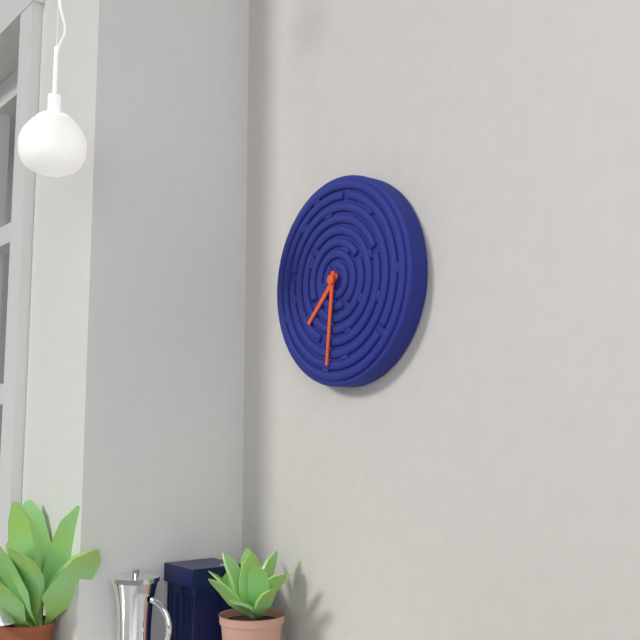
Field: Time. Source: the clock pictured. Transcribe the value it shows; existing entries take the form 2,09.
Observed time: 7,31
